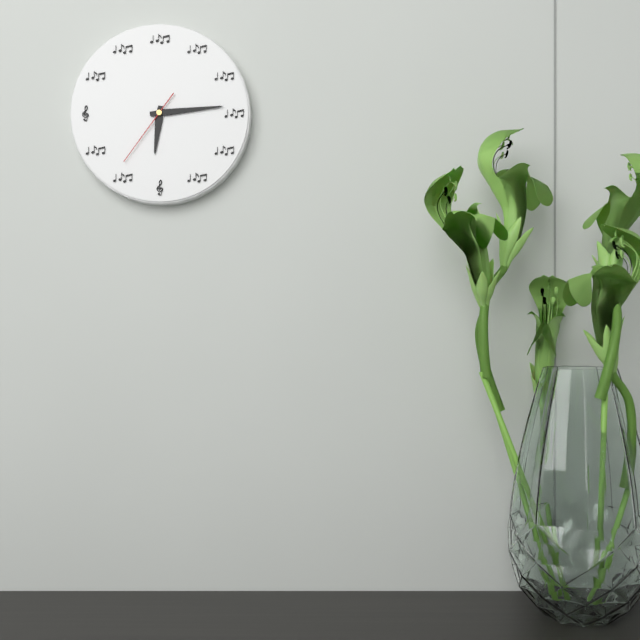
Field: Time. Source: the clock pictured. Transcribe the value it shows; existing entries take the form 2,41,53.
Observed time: 6,14,36
